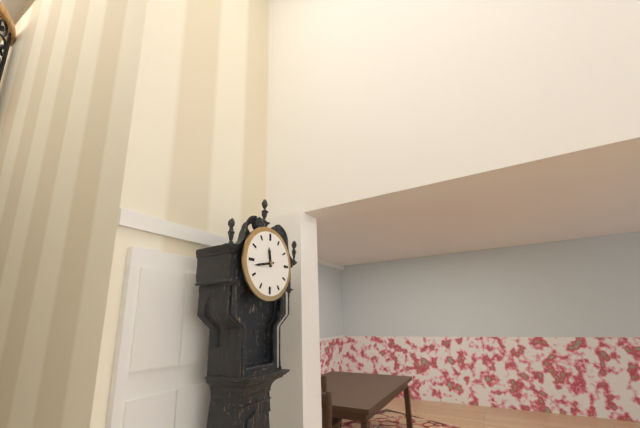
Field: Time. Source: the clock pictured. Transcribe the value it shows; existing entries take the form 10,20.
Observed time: 11,43
